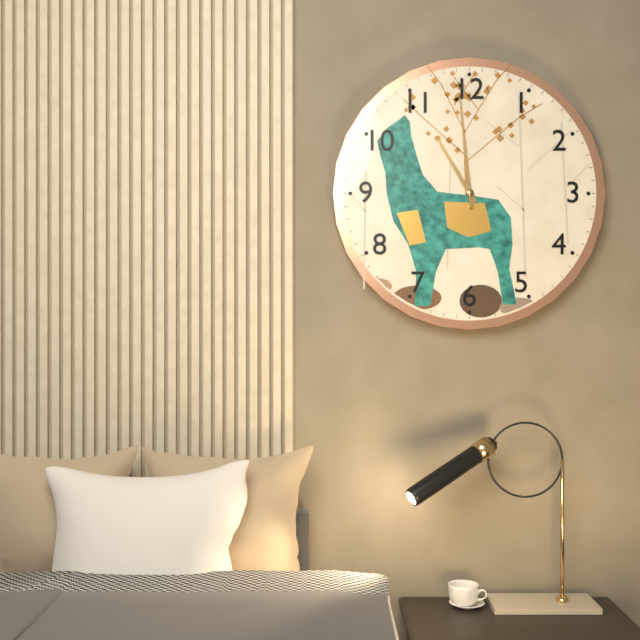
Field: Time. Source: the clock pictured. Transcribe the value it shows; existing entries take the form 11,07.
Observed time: 10,59
